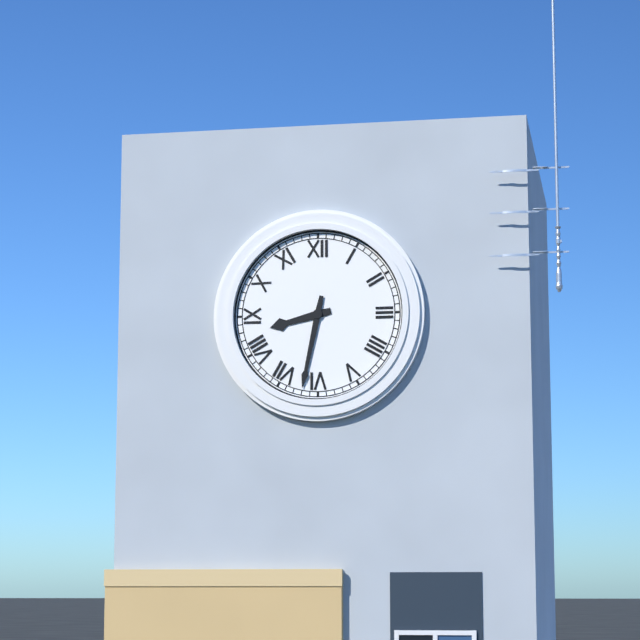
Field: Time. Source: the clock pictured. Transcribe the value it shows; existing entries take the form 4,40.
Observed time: 8,32
